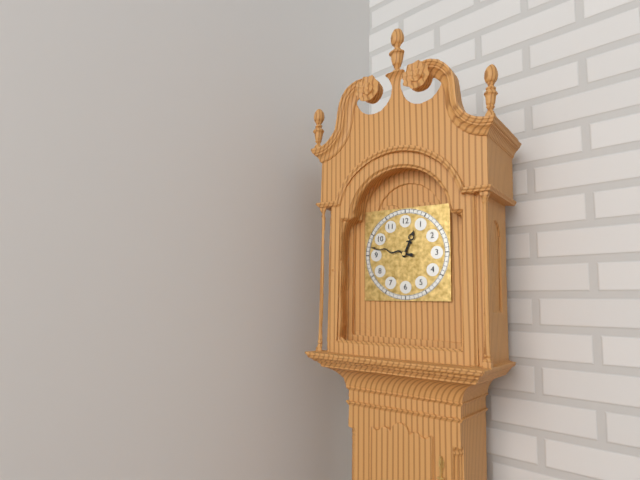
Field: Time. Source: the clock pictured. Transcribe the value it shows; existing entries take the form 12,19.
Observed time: 12,47
